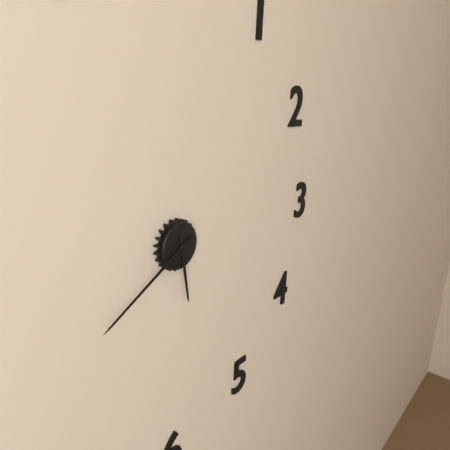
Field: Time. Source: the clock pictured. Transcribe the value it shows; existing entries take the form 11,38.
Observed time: 5,40
